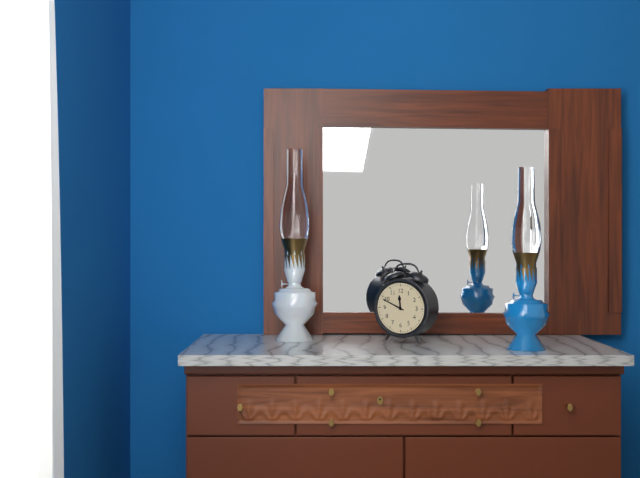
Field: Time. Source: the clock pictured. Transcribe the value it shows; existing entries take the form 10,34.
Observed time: 11,49
